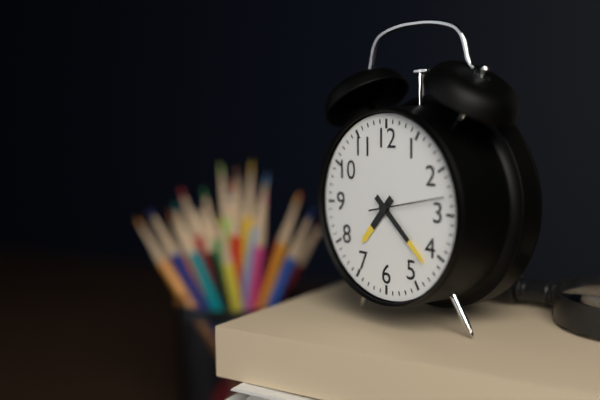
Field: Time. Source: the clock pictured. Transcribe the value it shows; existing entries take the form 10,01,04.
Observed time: 7,22,13
